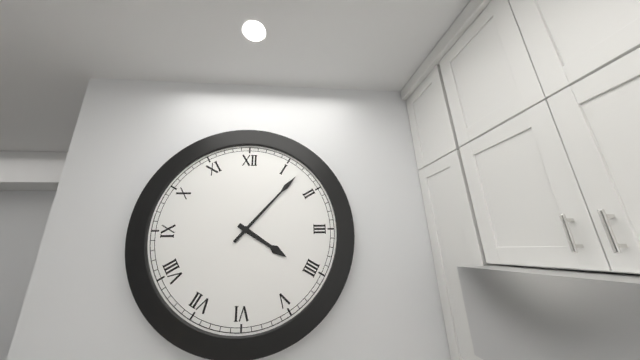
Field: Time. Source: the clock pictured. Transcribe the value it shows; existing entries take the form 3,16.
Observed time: 4,07
